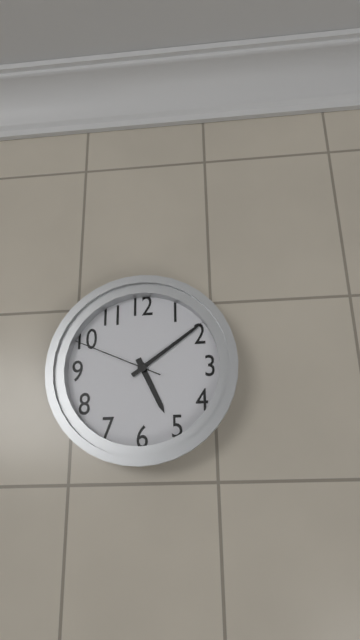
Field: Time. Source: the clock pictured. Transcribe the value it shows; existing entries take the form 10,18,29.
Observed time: 5,09,49
